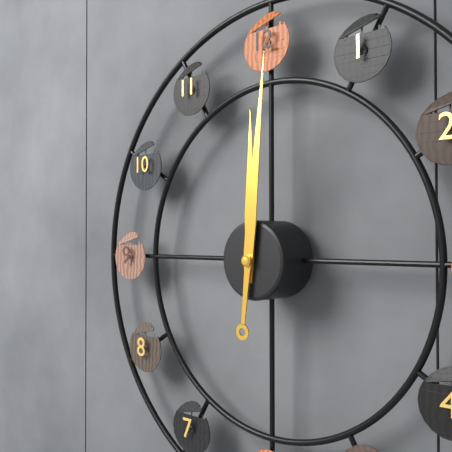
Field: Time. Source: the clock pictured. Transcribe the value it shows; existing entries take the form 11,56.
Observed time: 12,01
